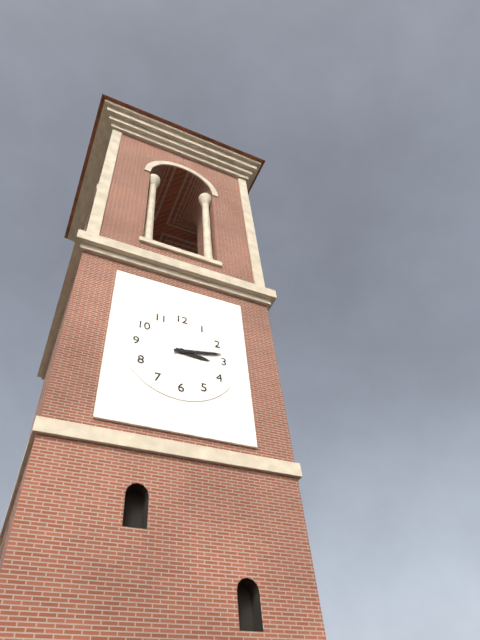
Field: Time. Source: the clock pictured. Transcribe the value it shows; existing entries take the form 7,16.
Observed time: 3,13
